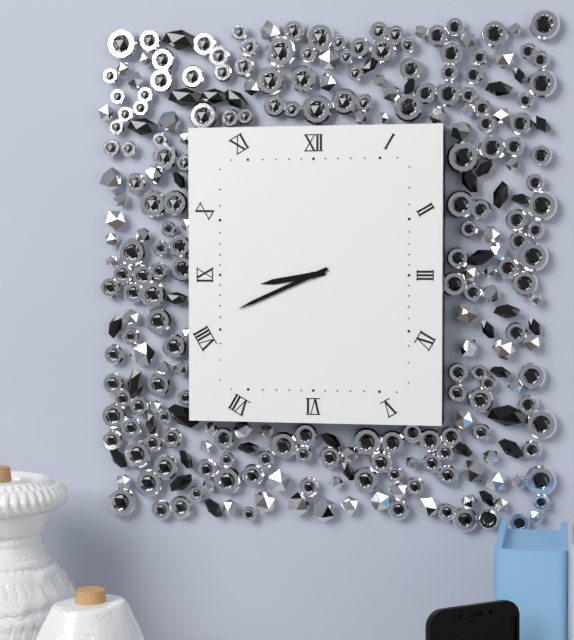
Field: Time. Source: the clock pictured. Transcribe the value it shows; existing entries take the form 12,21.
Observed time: 8,41
